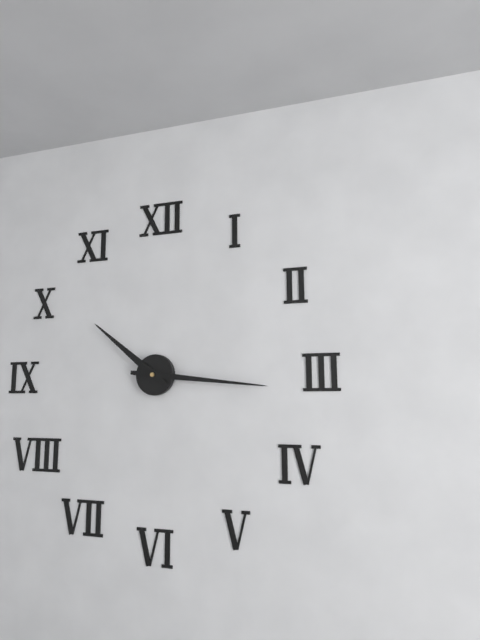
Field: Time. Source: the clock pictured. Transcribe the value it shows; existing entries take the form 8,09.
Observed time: 10,16
